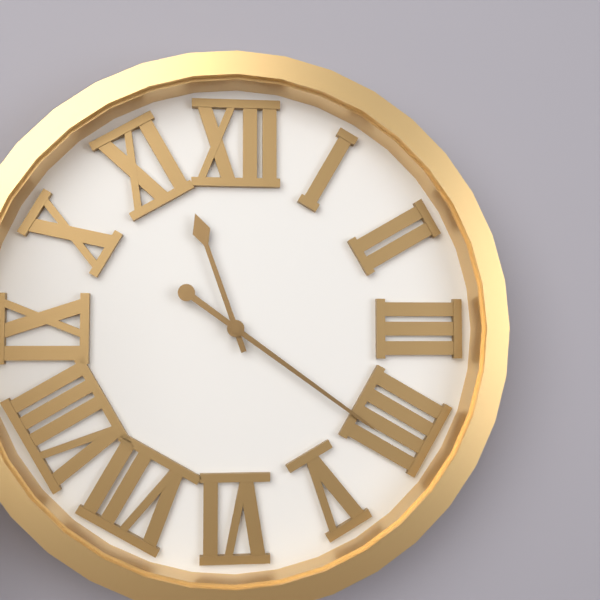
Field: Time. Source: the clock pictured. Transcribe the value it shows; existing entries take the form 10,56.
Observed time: 11,21
